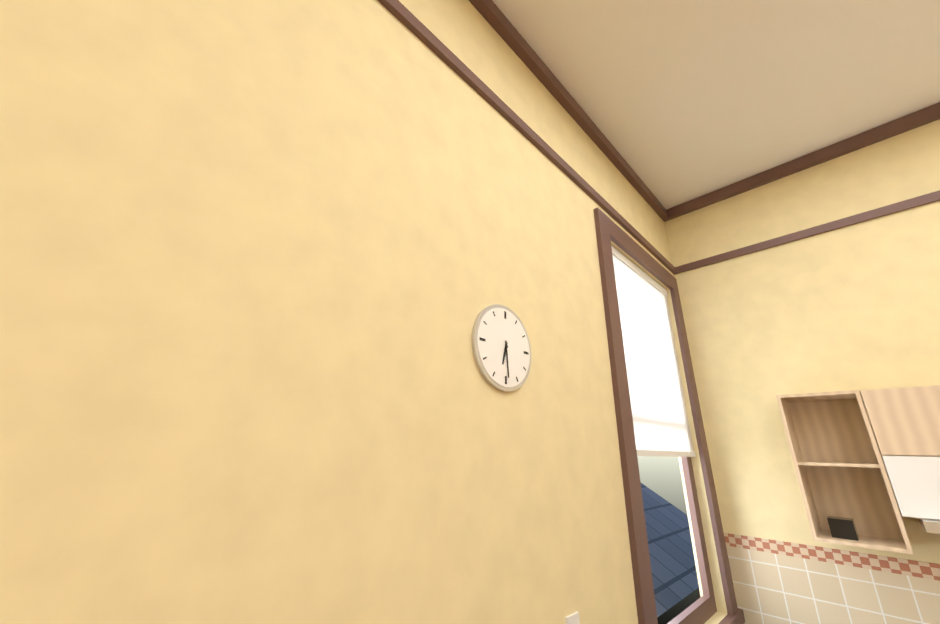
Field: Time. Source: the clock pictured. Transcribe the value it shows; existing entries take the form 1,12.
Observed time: 6,29
